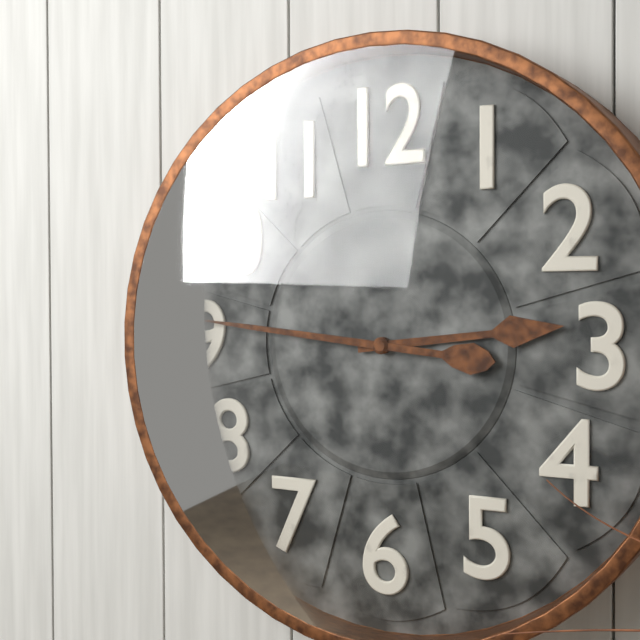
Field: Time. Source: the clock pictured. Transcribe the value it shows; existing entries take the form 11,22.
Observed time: 2,46
